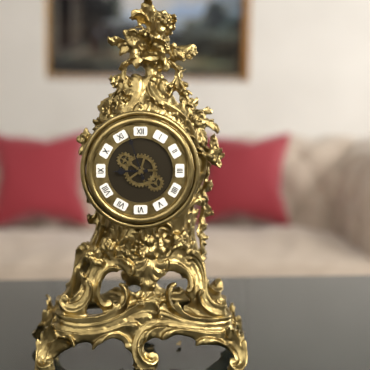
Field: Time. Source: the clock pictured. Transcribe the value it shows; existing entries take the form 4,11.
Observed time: 8,57
